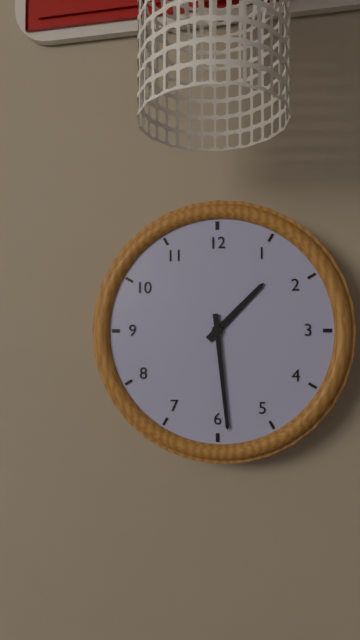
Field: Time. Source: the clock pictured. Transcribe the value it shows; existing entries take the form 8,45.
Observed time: 1,29
